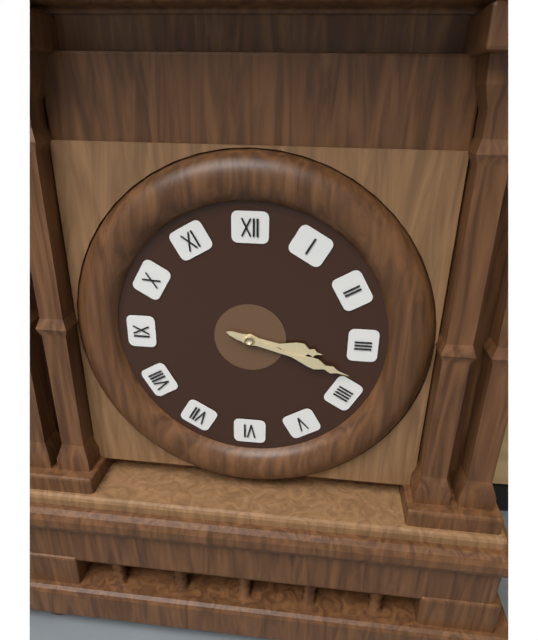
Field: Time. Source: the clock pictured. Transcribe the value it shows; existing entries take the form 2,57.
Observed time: 3,18
